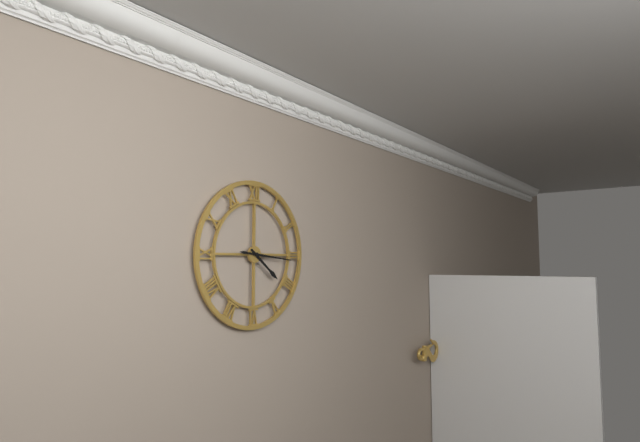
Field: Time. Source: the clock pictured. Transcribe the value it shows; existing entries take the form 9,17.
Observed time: 4,16
